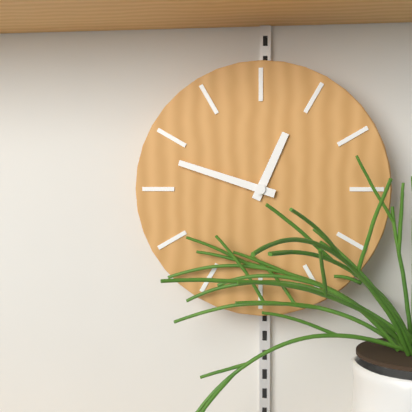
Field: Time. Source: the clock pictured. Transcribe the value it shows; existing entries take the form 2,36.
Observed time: 12,48
